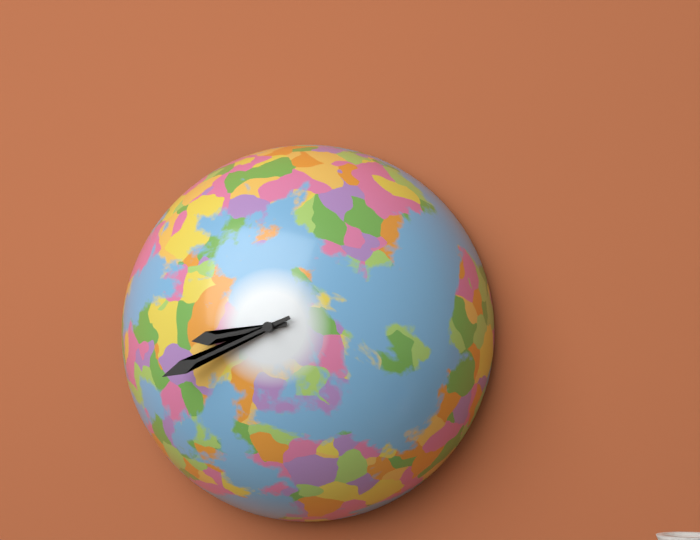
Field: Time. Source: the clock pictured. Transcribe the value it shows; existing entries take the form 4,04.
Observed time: 8,41
